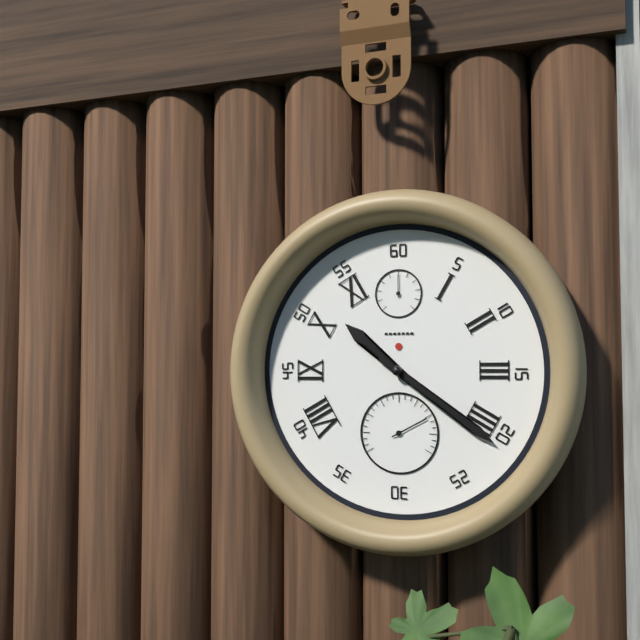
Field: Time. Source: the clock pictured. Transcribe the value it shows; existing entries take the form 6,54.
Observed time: 10,21
